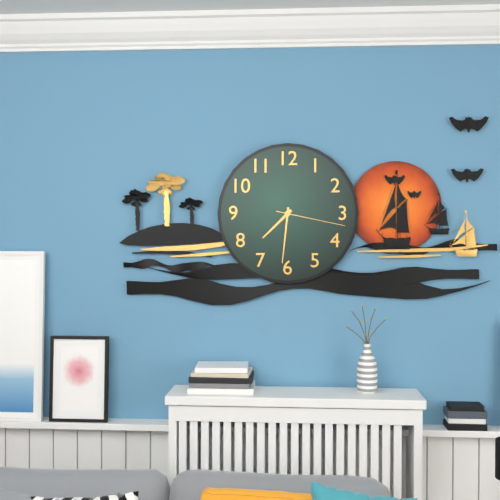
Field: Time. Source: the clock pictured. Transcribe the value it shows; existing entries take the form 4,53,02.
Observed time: 7,31,17
